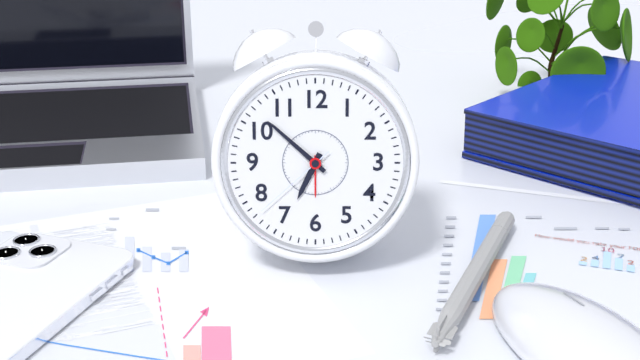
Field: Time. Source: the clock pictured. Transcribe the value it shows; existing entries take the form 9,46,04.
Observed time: 6,52,38
